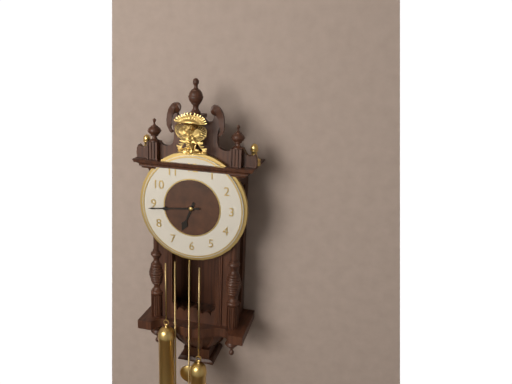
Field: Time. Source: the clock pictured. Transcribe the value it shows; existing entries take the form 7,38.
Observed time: 6,44
